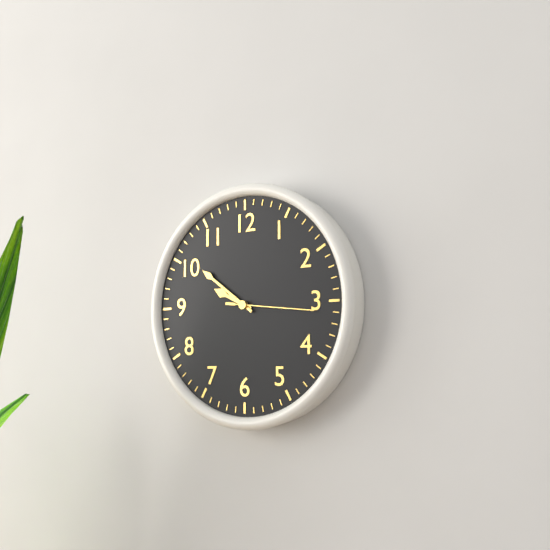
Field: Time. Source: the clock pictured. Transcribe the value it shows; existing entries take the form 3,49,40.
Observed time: 9,51,16
